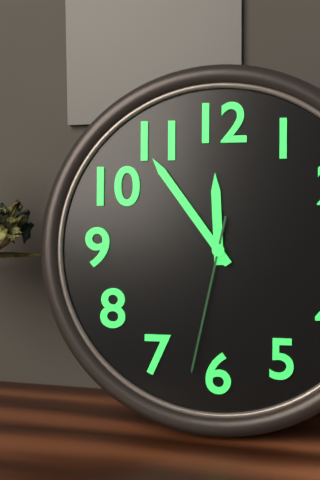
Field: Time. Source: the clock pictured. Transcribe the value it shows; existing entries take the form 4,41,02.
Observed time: 11,54,32
